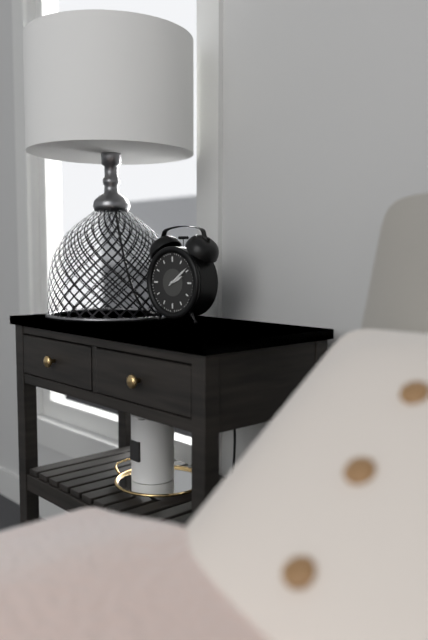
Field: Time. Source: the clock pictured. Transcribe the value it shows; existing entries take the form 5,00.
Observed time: 2,09
